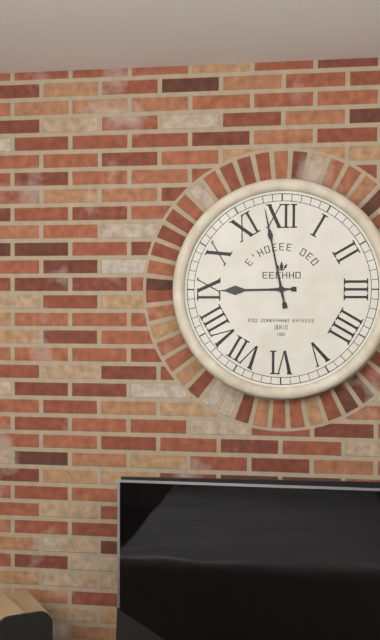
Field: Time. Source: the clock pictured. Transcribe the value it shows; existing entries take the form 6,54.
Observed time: 8,58
